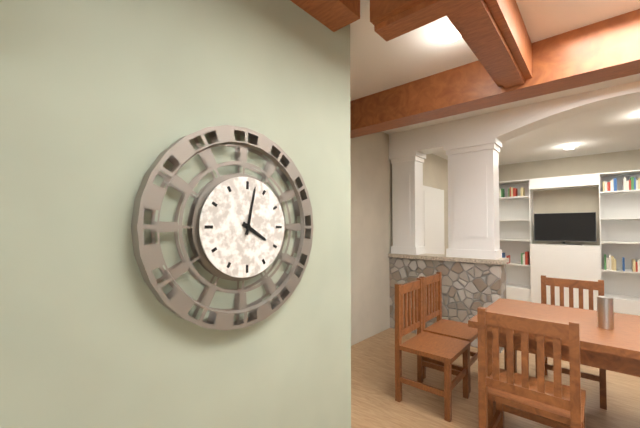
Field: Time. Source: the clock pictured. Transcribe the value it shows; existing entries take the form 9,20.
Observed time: 4,02
